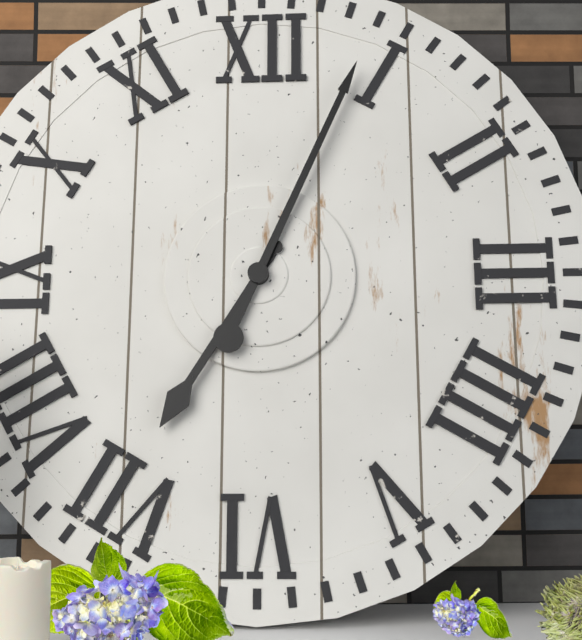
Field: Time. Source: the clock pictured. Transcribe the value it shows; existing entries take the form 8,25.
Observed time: 7,04
